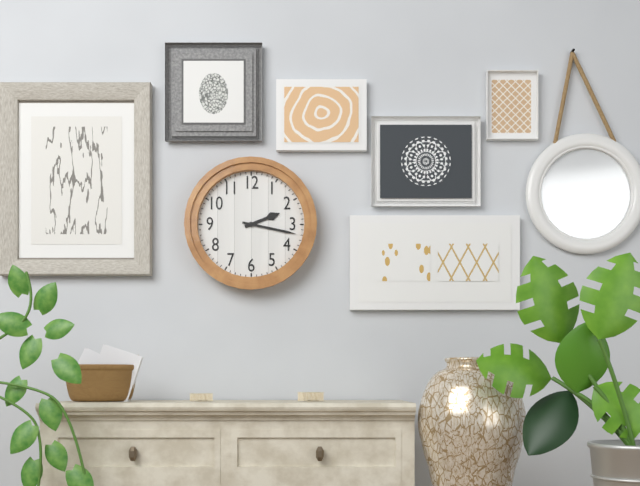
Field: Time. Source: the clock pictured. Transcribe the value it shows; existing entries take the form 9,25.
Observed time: 2,17
